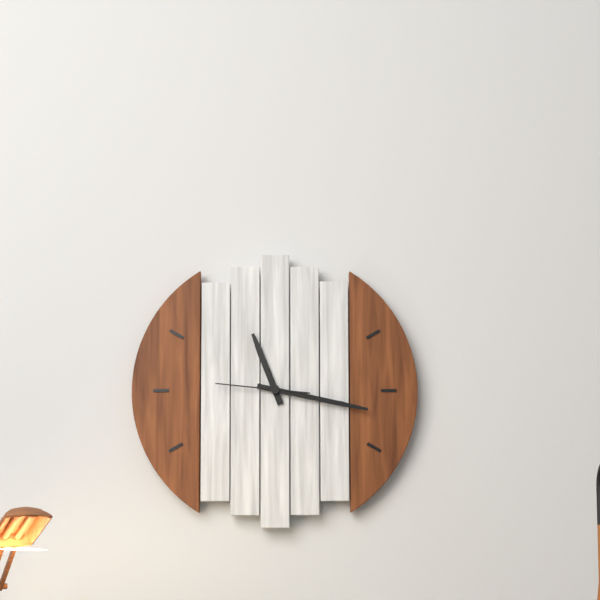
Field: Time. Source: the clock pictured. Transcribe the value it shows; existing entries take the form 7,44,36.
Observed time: 11,17,46
